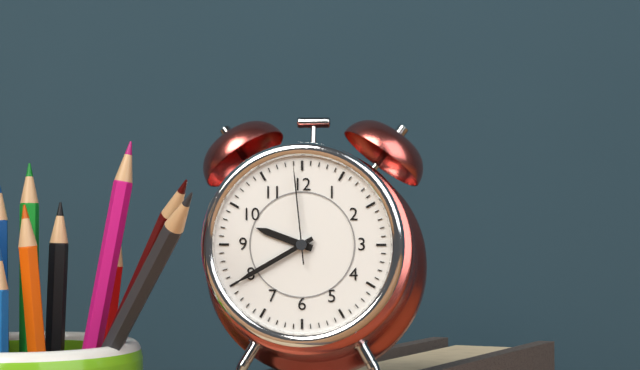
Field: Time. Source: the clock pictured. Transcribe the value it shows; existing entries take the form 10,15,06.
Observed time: 9,40,59
